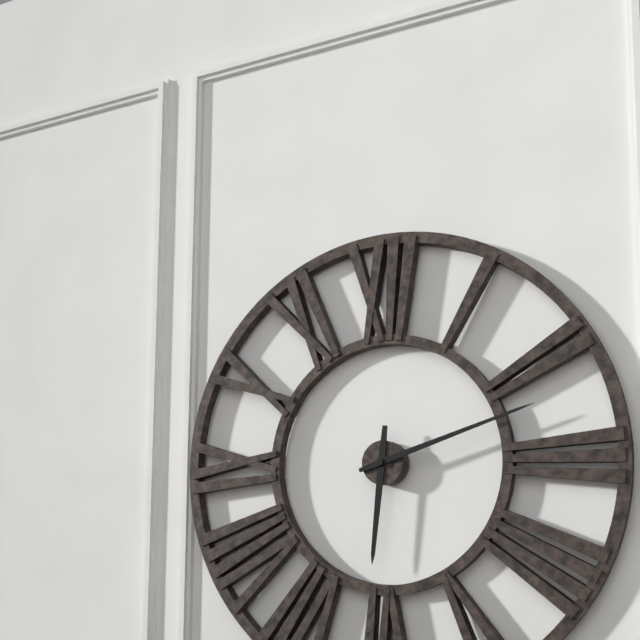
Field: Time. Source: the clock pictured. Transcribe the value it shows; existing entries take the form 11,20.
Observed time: 6,12
